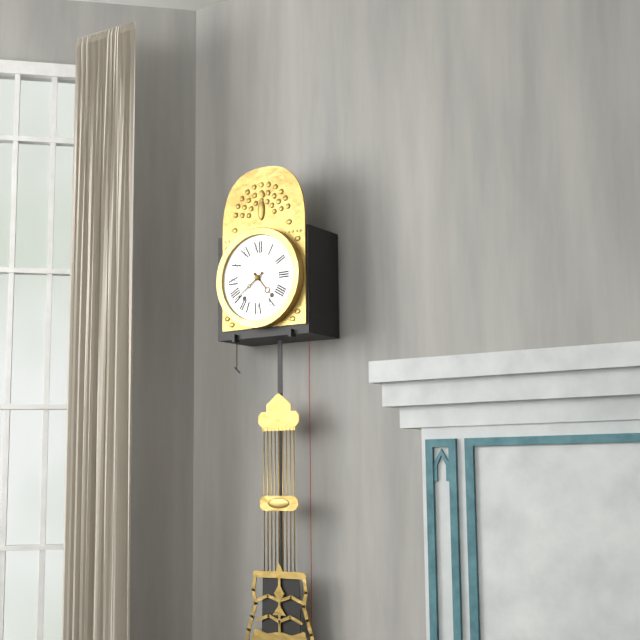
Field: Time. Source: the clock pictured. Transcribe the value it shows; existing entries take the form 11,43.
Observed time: 4,39
